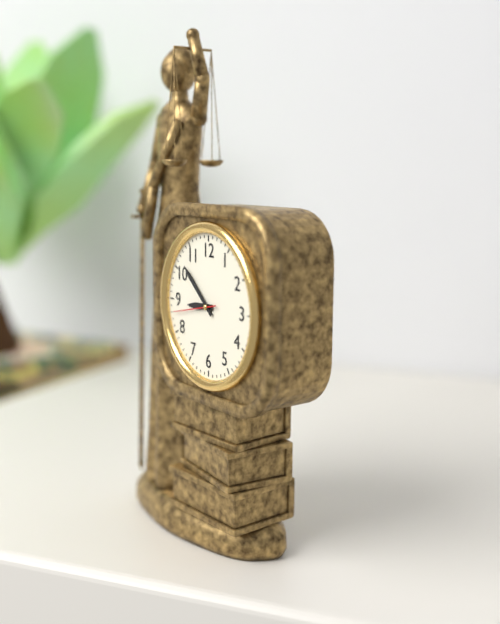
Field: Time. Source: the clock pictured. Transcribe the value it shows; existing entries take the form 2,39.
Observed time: 8,52
